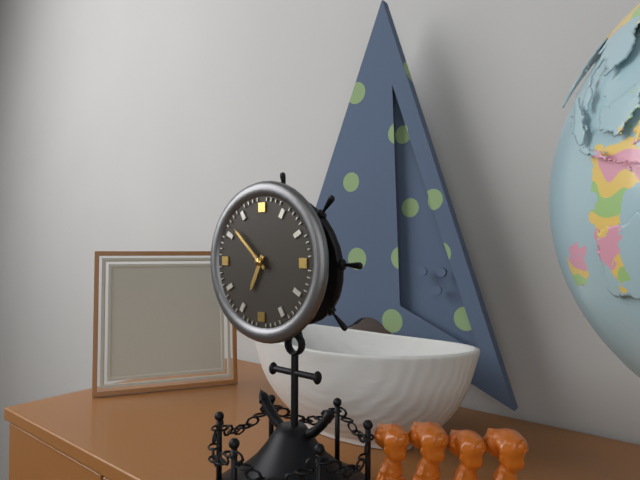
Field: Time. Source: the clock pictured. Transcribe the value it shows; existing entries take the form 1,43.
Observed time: 6,52
